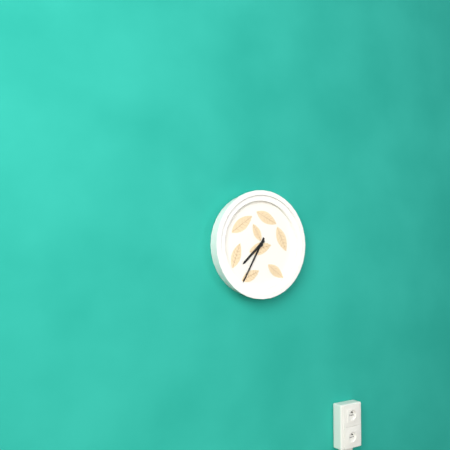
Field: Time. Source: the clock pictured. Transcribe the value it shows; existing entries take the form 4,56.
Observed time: 7,35
